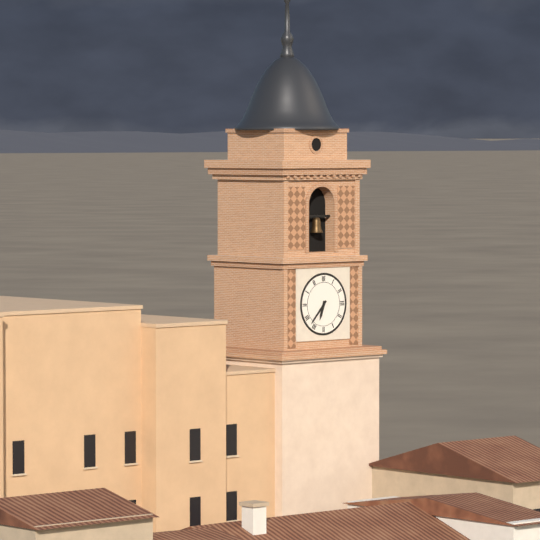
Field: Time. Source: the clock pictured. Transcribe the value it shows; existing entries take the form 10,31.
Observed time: 6,37
